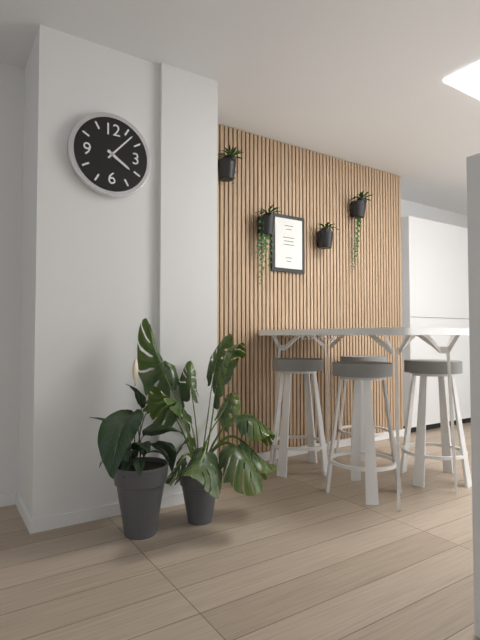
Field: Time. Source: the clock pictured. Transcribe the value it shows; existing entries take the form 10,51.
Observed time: 4,07
